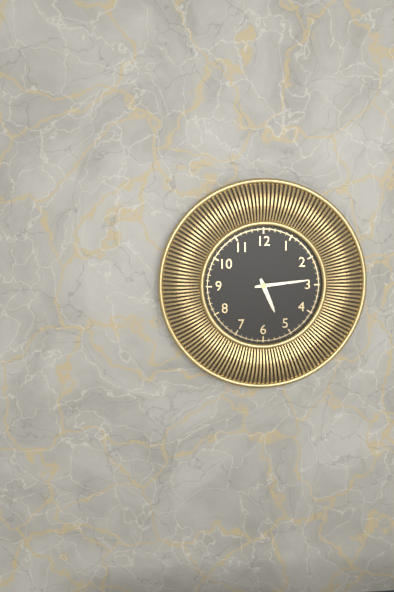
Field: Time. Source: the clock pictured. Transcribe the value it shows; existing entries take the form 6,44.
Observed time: 5,14
